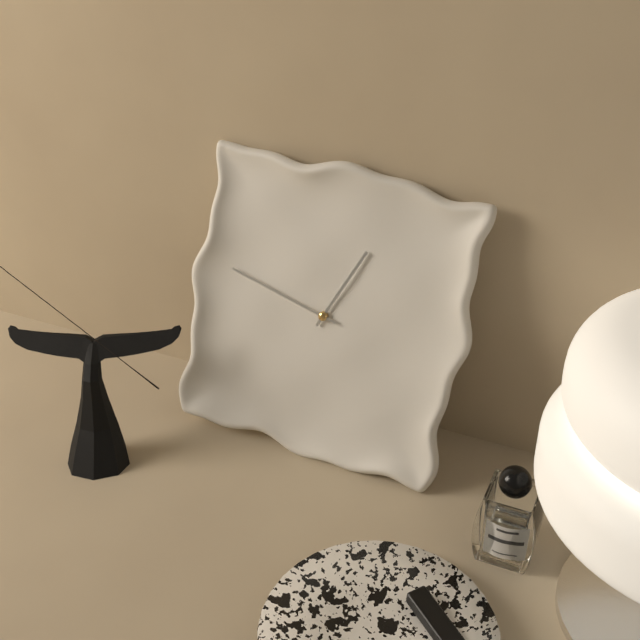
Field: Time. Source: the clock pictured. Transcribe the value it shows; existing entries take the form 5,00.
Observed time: 12,47
